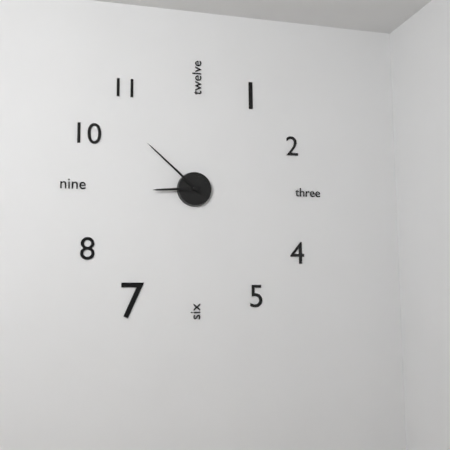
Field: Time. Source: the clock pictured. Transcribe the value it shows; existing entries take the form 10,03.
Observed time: 8,52
